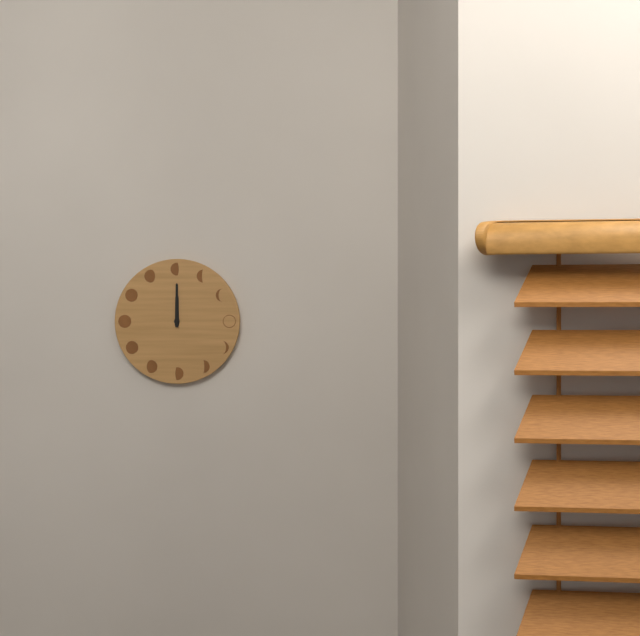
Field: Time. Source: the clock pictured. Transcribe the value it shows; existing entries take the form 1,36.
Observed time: 12,00
